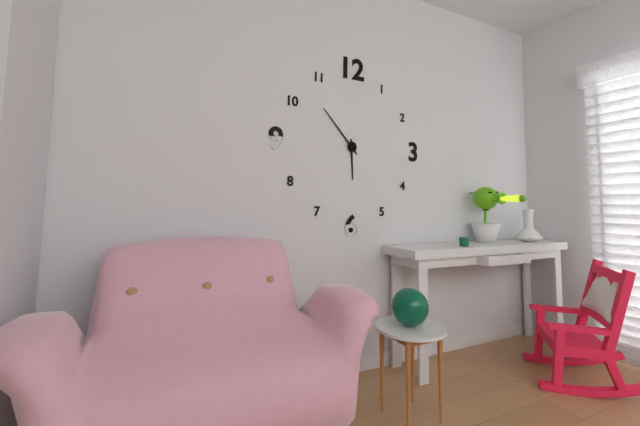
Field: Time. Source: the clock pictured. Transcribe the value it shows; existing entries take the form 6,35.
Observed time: 5,53
